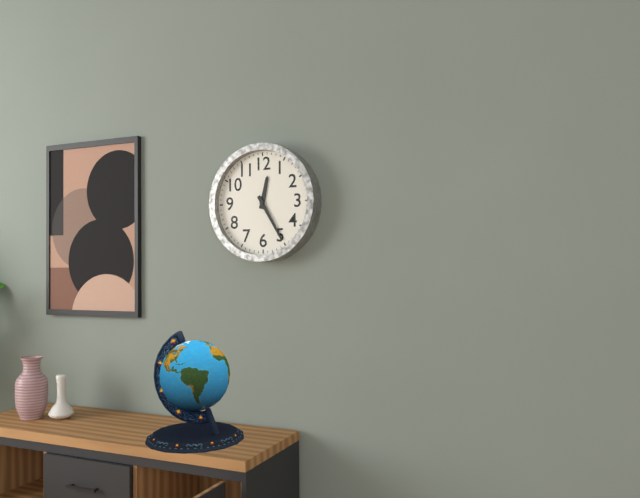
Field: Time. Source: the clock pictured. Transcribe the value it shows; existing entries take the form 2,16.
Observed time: 12,25
